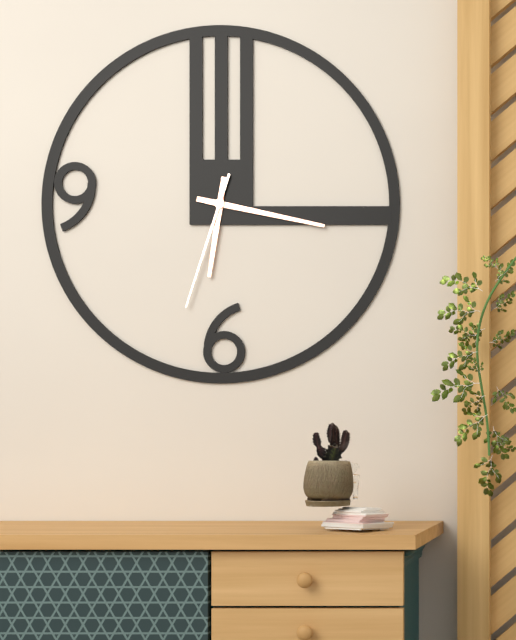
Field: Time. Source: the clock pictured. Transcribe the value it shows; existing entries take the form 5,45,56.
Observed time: 6,17,33
